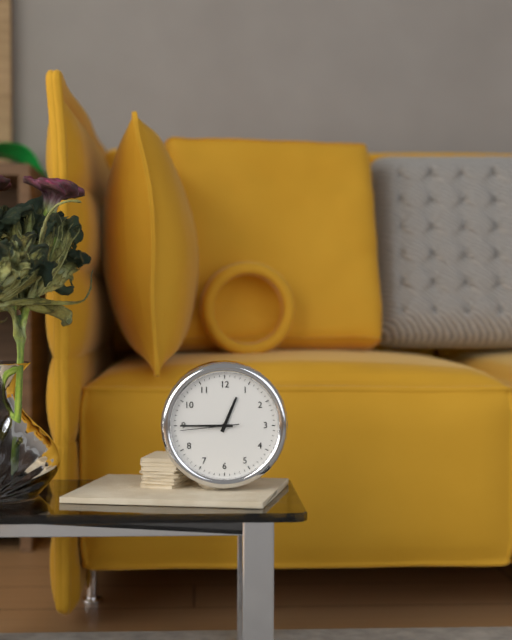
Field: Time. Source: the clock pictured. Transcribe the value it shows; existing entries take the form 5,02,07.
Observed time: 12,45,44
